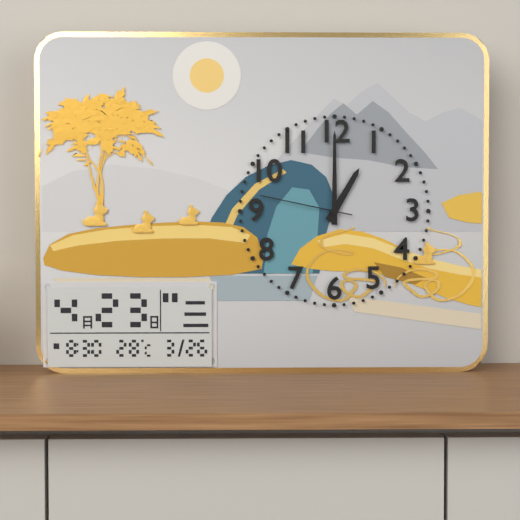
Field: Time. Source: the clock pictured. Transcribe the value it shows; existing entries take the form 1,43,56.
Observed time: 1,00,47
